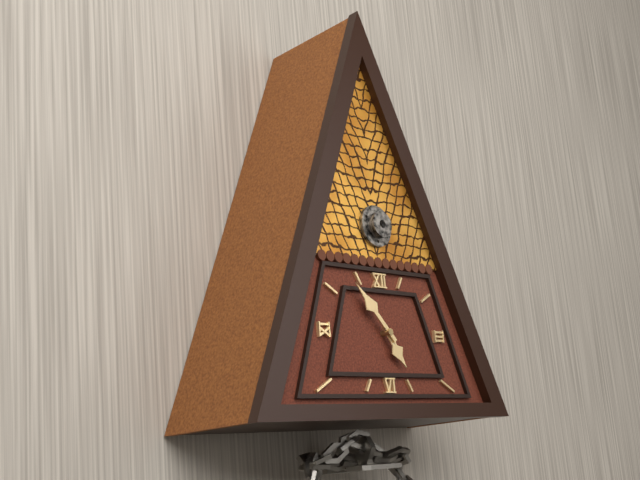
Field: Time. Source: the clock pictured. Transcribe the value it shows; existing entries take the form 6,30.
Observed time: 4,53
